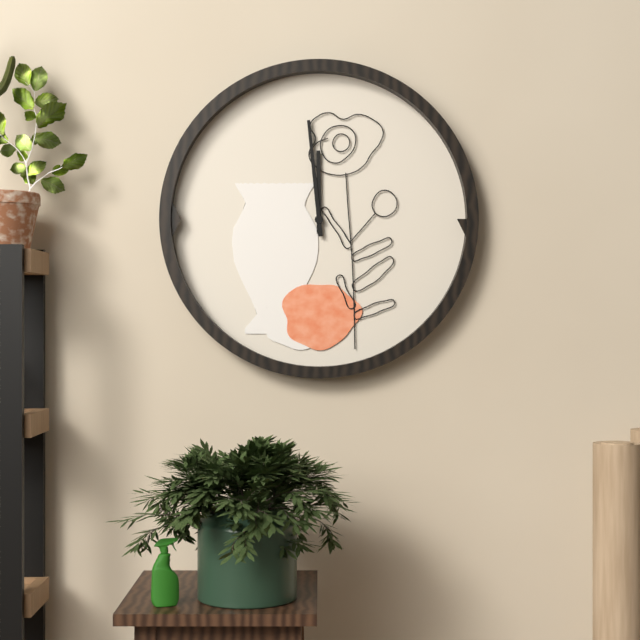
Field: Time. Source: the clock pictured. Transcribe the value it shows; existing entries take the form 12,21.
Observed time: 11,59
